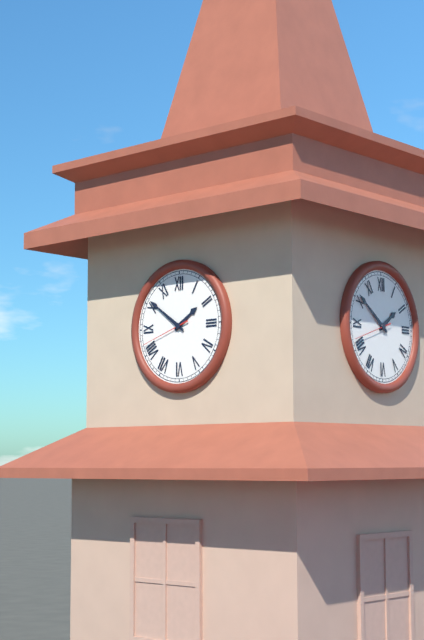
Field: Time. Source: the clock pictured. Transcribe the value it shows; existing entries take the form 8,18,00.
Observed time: 1,51,42
